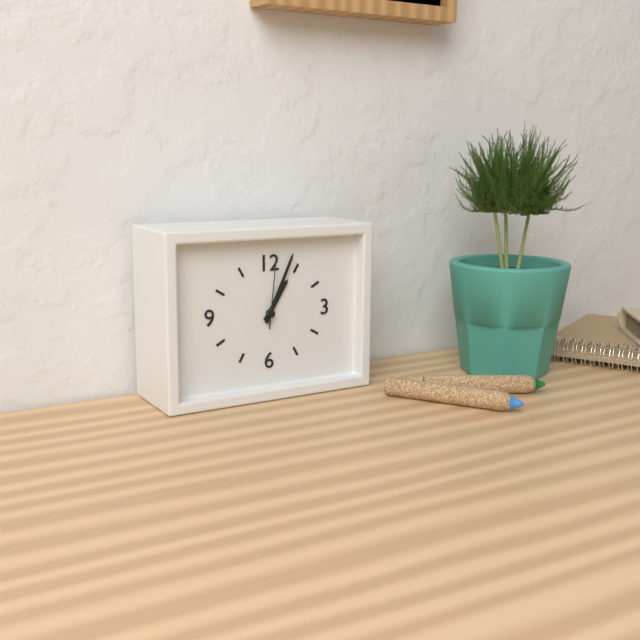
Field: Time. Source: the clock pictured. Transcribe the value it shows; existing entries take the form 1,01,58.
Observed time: 1,04,01
